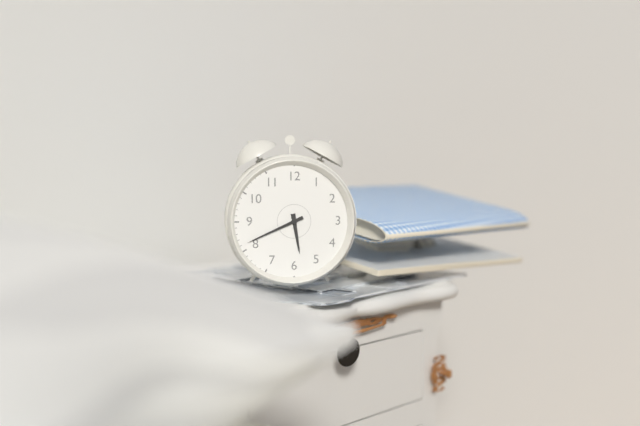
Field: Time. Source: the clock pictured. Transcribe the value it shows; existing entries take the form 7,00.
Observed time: 5,41
